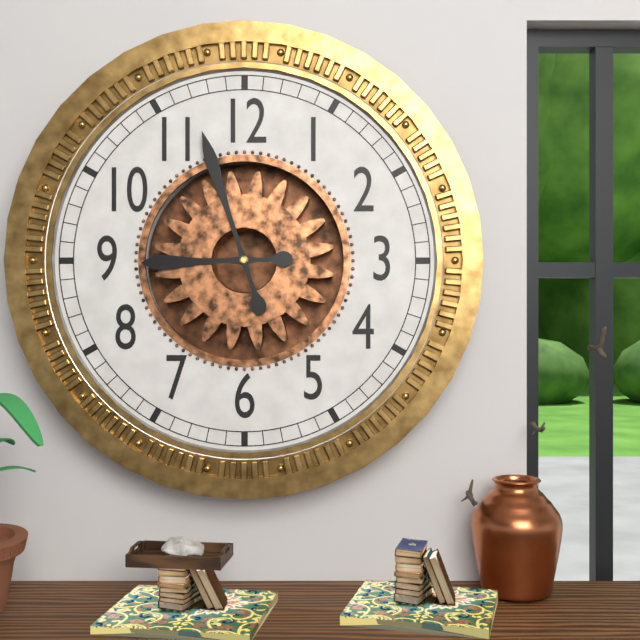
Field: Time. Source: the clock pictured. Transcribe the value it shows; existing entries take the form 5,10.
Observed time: 8,57
